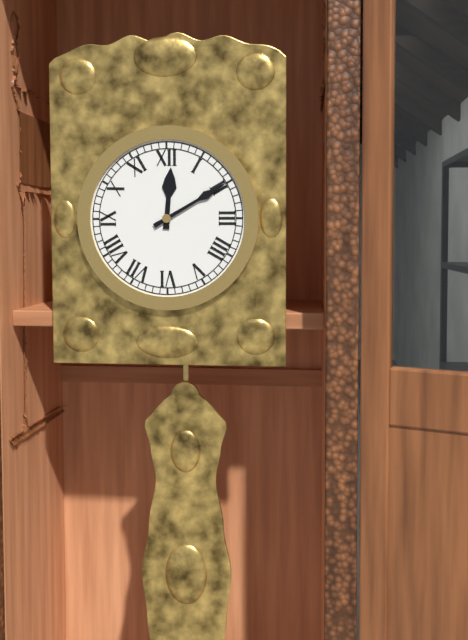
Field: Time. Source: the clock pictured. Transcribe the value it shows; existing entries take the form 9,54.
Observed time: 12,10
